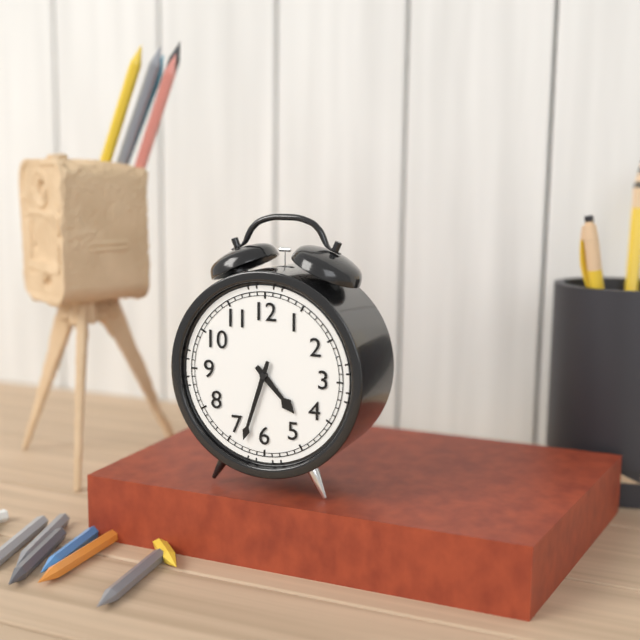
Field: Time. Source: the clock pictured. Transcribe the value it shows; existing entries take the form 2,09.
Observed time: 4,33
